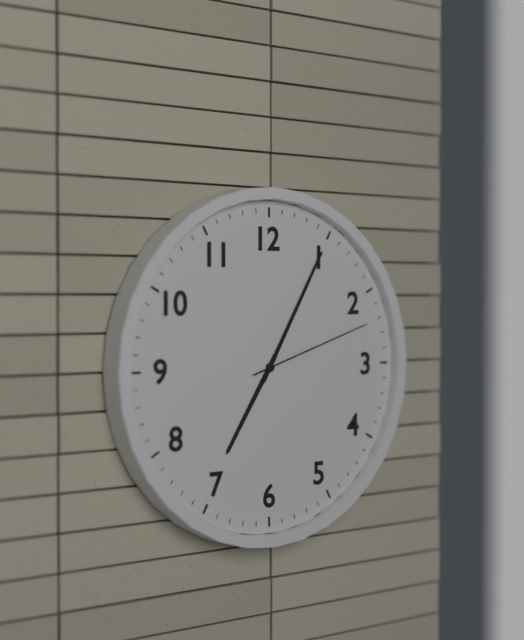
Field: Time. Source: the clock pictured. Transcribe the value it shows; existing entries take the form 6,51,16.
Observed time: 7,05,12
